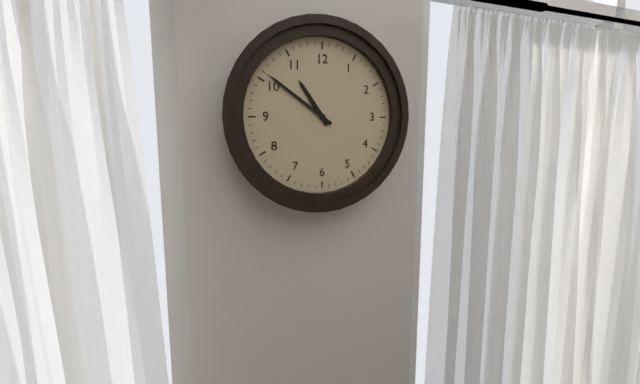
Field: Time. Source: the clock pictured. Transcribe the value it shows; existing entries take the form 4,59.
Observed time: 10,51
